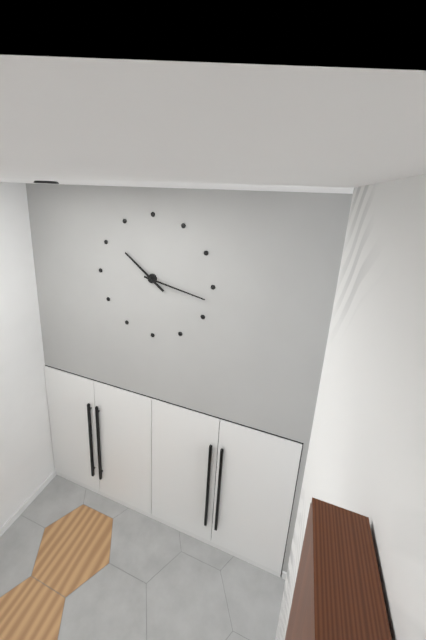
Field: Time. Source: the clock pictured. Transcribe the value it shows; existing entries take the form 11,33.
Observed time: 10,17
